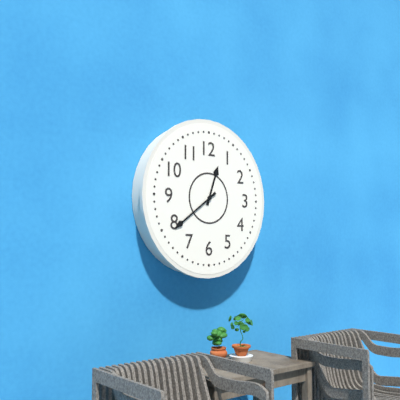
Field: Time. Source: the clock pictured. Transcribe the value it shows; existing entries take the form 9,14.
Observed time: 12,39
